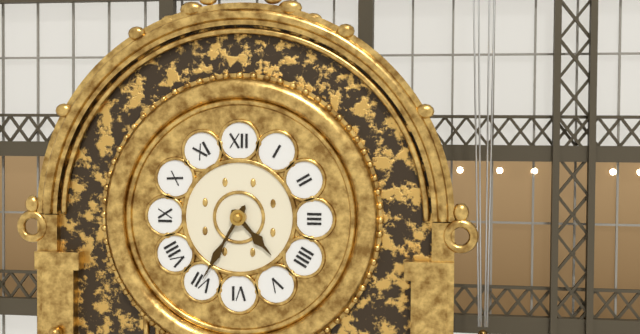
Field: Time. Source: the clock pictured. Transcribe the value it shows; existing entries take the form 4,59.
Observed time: 4,35
